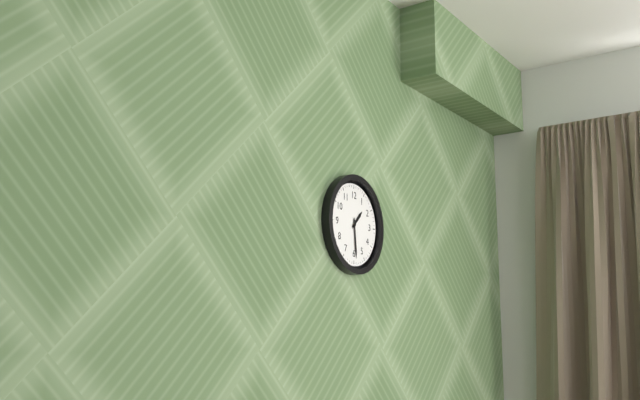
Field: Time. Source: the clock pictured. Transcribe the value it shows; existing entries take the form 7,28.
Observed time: 1,29
